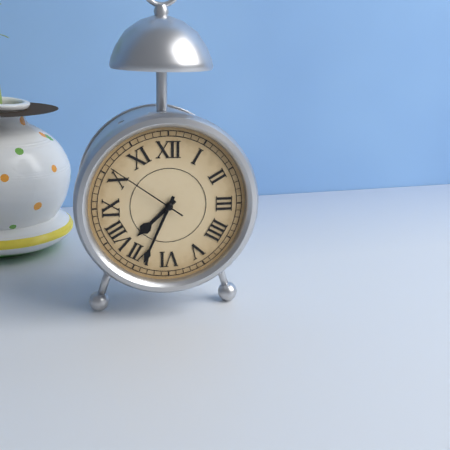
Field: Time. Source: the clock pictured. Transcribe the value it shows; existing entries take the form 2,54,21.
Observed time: 7,34,51
